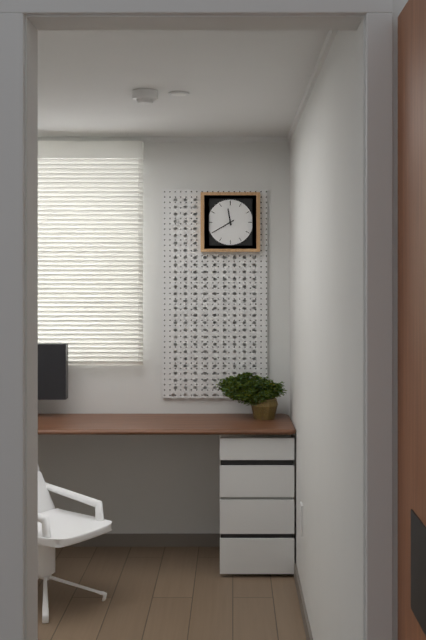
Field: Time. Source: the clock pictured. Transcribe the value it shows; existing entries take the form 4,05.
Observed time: 11,40
